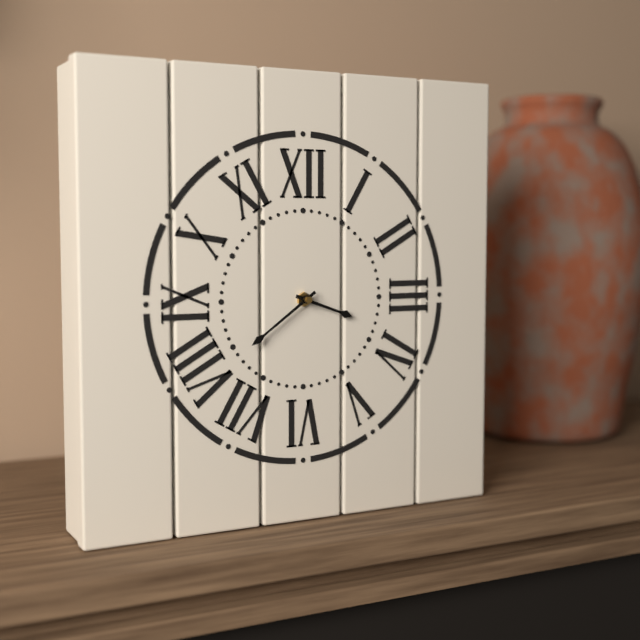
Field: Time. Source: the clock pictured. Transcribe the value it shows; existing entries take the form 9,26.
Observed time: 3,39
